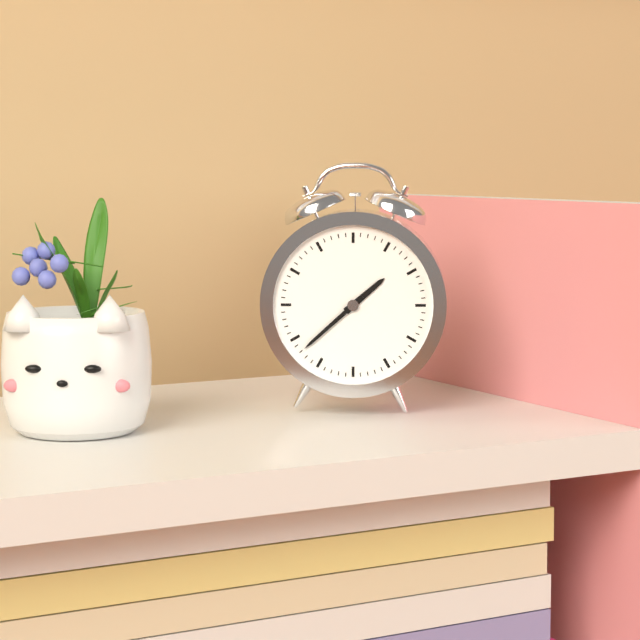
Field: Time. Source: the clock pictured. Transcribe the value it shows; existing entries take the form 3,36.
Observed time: 1,38
